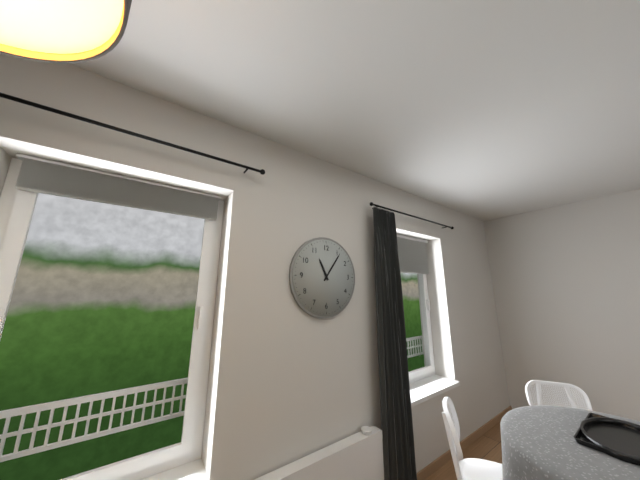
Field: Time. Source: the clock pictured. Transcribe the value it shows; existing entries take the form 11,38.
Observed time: 11,06
